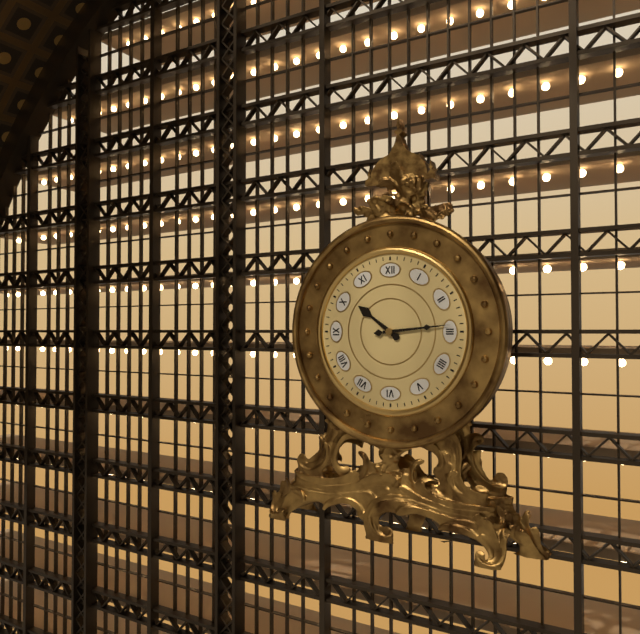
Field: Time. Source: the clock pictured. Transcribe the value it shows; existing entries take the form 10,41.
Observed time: 10,14
